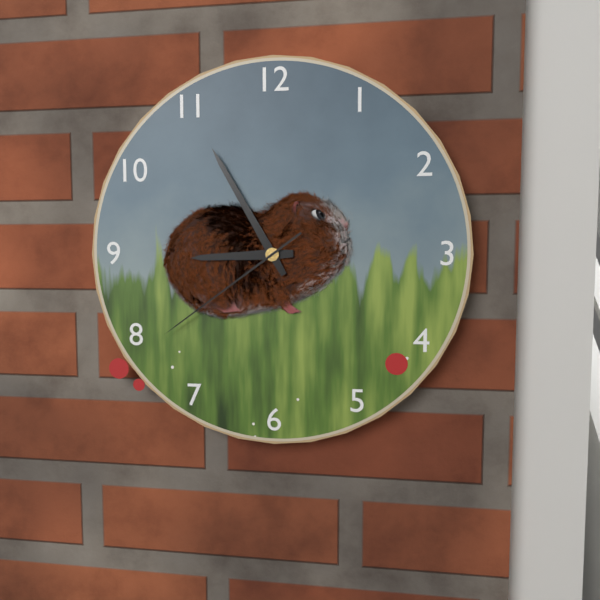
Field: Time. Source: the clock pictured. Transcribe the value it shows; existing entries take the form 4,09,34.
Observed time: 8,55,39
